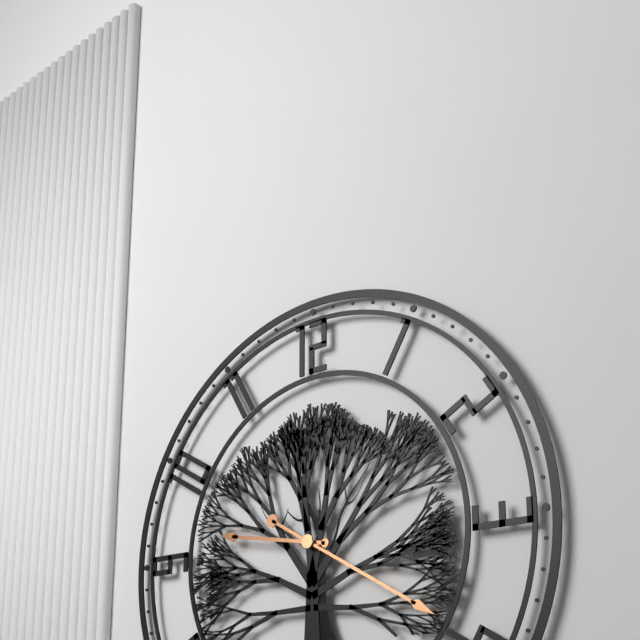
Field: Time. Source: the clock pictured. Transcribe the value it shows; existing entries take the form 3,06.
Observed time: 9,20
